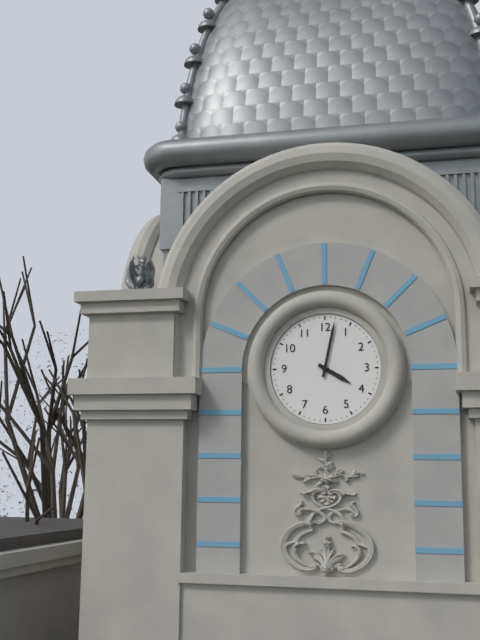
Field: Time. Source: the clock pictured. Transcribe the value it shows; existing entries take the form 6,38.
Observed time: 4,02
